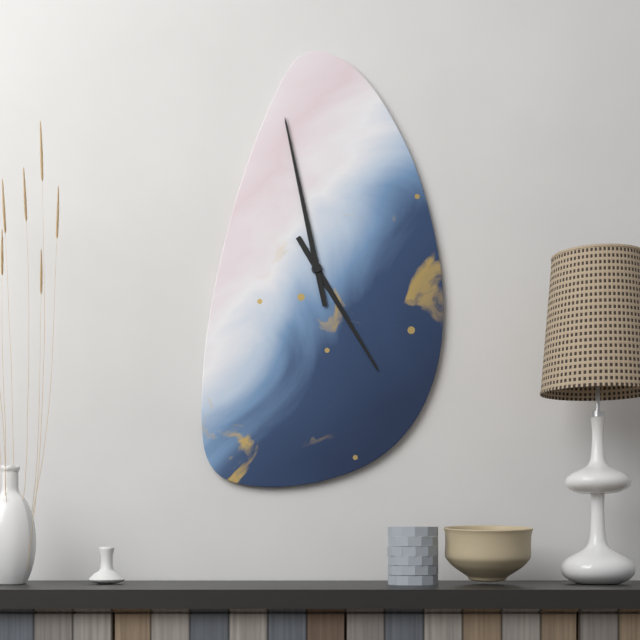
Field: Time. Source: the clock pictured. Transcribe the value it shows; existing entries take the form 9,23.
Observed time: 4,58
